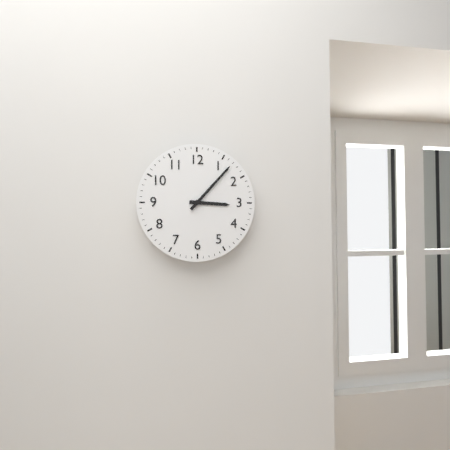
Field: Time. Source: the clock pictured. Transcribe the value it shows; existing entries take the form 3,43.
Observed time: 3,07
